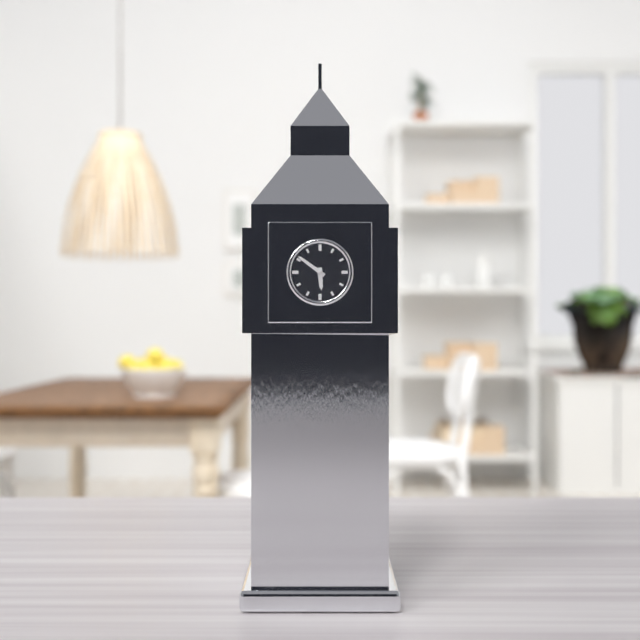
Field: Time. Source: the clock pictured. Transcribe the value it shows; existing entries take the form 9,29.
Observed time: 5,51
